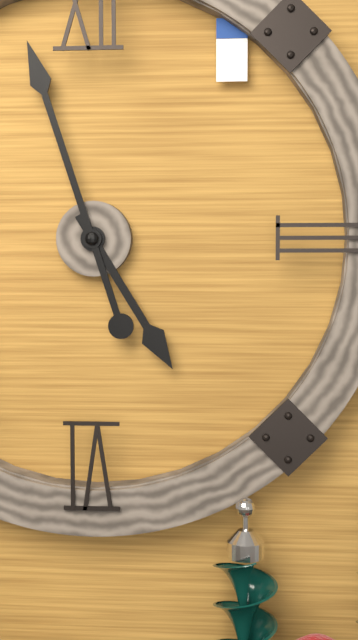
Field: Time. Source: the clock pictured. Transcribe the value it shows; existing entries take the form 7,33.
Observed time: 4,57
